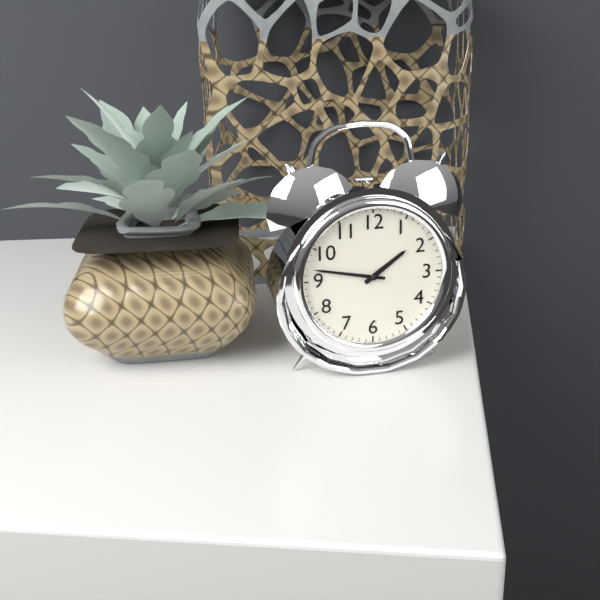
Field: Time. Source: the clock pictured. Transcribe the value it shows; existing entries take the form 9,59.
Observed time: 1,47
